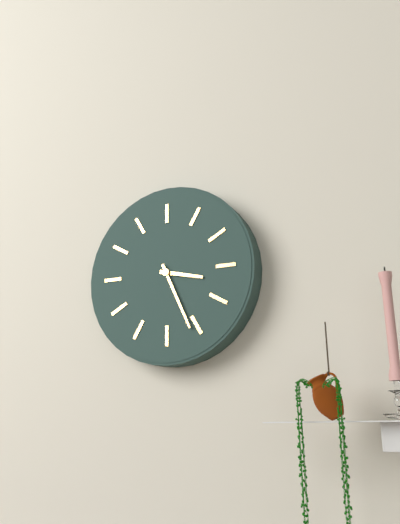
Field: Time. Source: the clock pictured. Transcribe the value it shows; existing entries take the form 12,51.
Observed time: 3,26
